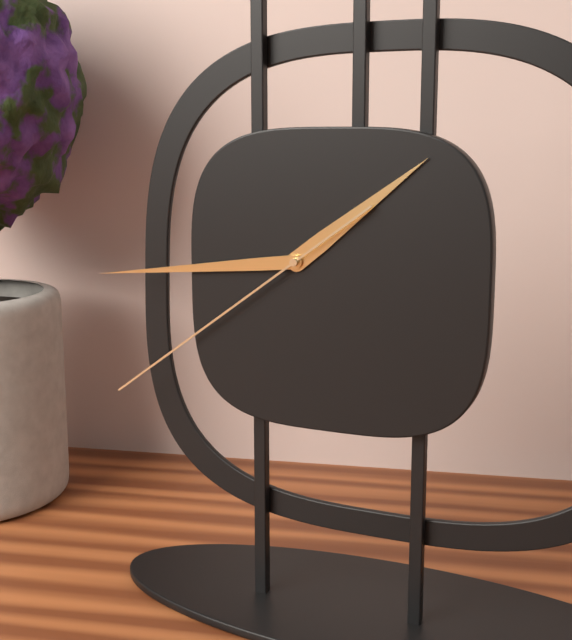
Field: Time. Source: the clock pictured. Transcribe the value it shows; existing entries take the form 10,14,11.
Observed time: 1,44,39
